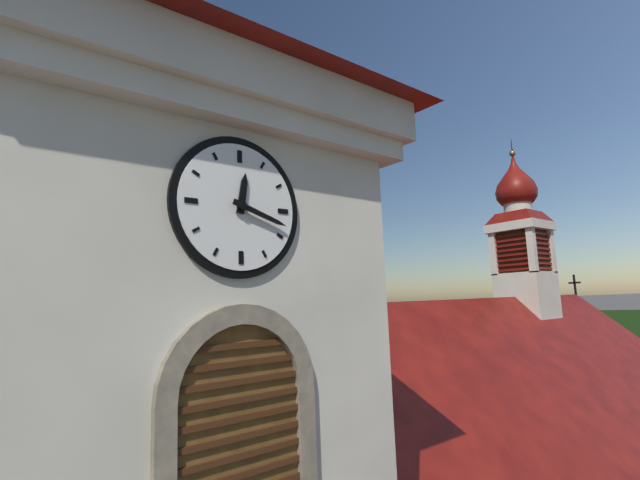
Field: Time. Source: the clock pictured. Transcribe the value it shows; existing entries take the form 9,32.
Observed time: 12,18
